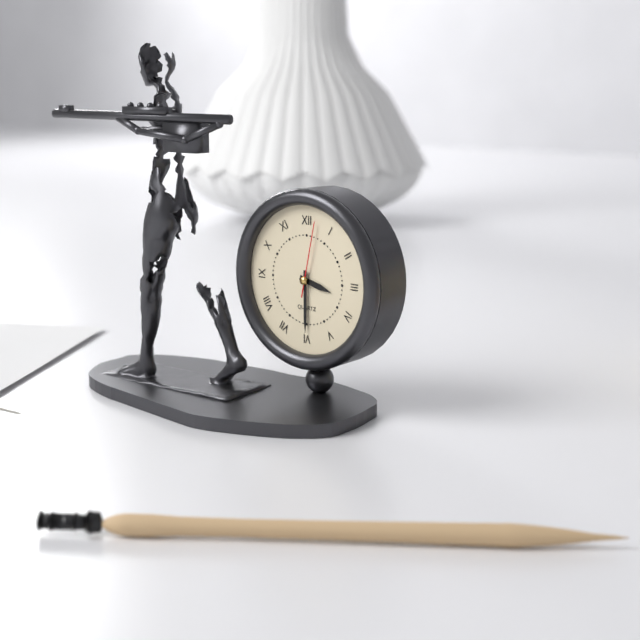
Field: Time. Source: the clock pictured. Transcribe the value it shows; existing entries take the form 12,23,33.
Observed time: 3,30,02
